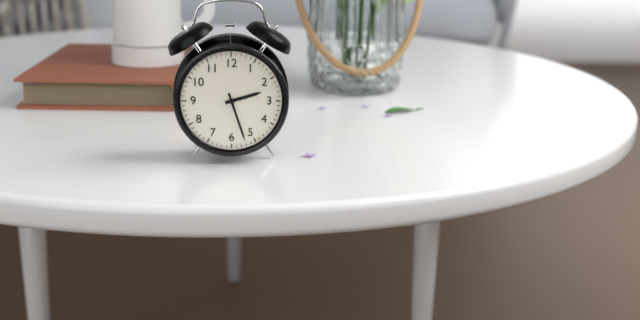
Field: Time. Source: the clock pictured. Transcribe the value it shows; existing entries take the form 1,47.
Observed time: 2,27
